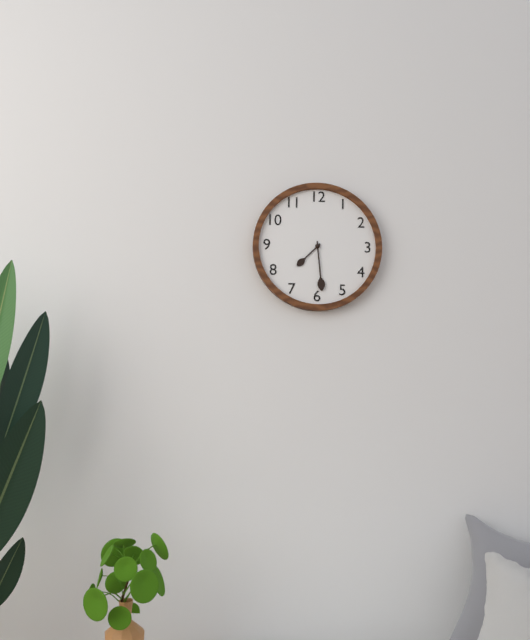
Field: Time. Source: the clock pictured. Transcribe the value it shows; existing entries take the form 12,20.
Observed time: 7,29
